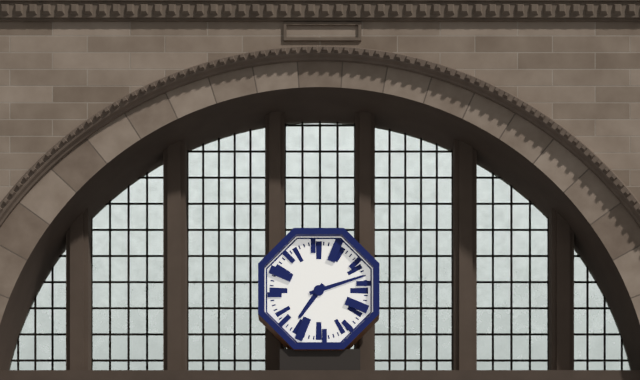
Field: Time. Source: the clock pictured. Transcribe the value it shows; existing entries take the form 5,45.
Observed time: 7,12
